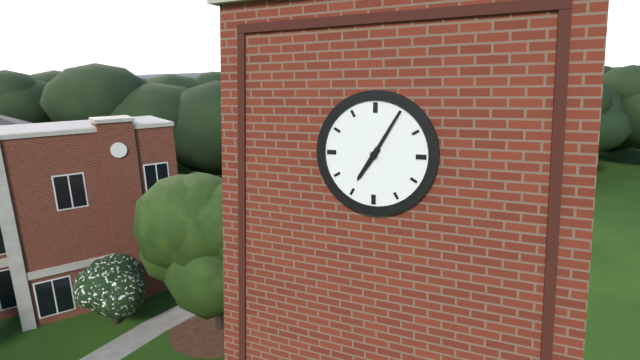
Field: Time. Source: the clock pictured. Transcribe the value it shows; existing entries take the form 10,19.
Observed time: 7,05
